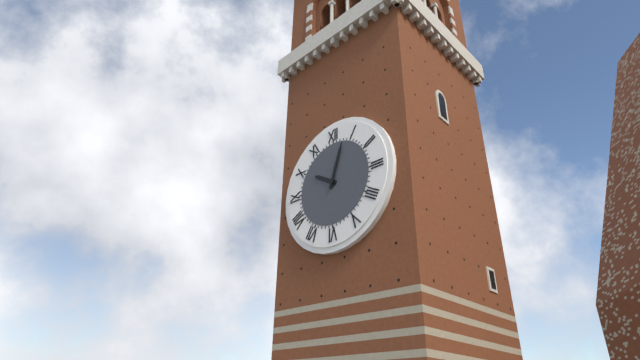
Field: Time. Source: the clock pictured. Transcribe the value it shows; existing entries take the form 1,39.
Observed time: 10,03
